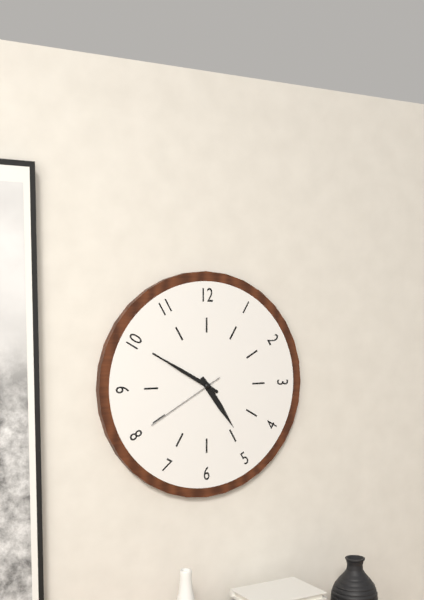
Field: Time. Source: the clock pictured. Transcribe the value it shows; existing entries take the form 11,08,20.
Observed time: 4,50,40
